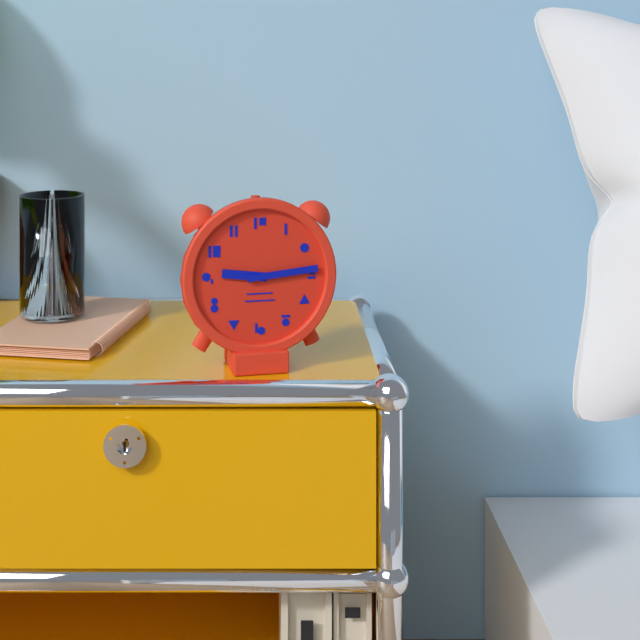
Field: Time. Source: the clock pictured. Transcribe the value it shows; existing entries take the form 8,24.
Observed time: 9,14
